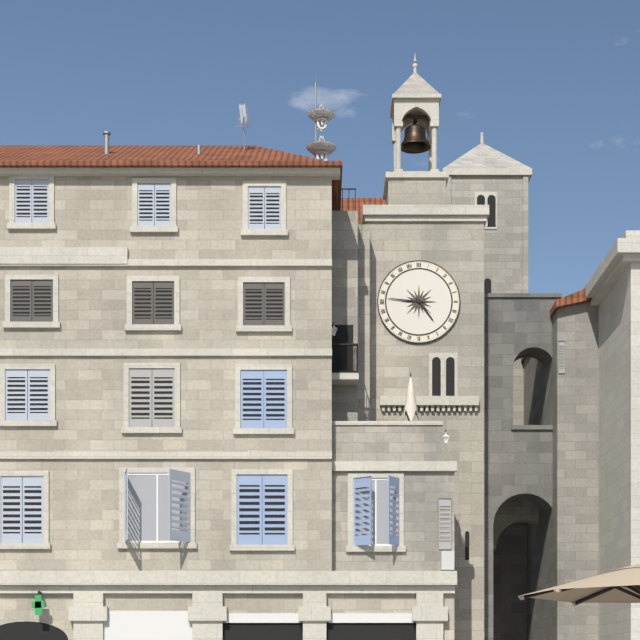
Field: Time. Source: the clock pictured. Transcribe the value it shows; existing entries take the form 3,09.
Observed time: 4,46
